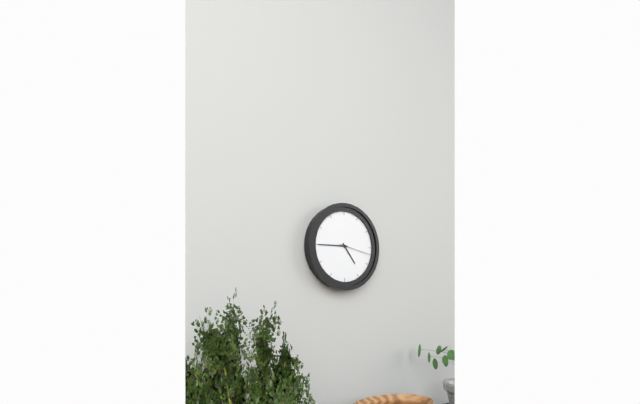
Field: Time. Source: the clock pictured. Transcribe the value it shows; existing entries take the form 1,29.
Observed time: 4,45
